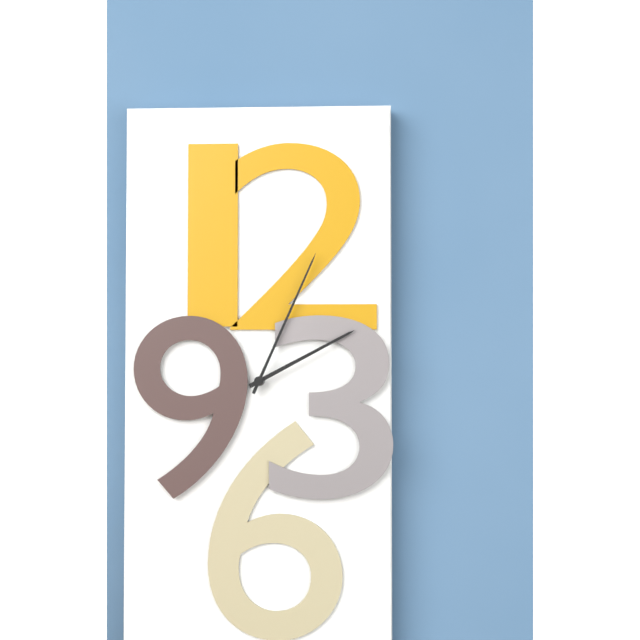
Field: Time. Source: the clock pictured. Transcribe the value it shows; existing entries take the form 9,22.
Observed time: 2,04
